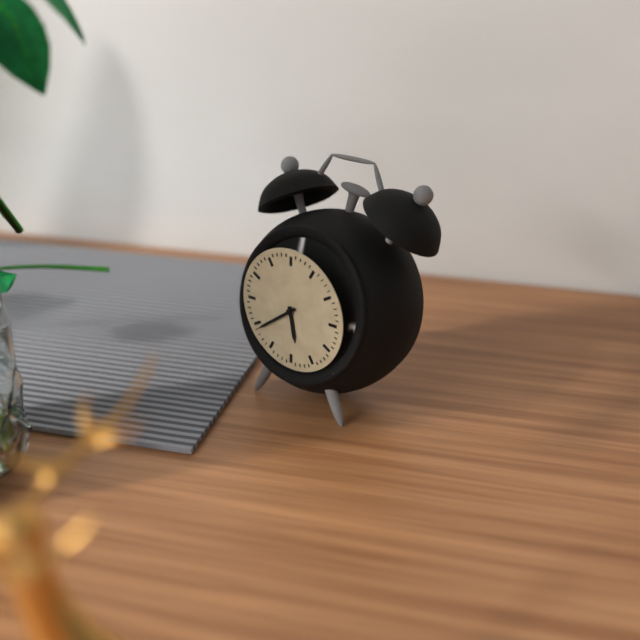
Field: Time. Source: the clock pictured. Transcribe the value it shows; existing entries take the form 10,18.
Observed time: 5,39
